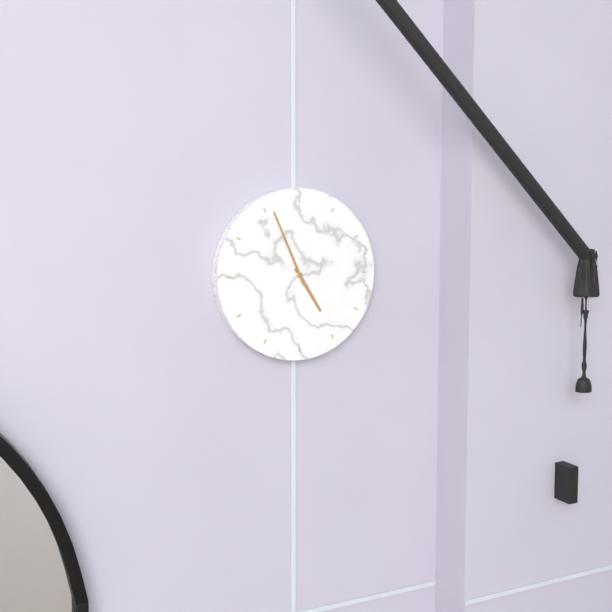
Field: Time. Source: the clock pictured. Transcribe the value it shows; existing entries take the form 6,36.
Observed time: 4,56
